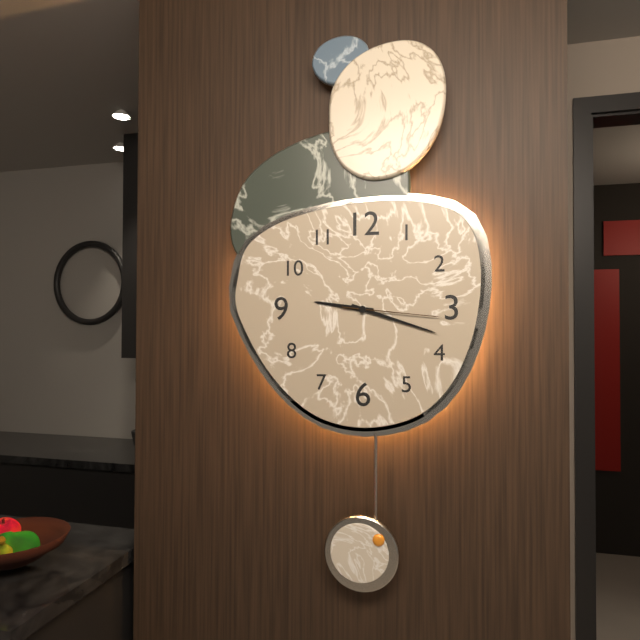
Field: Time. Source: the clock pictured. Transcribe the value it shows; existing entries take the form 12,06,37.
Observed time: 9,18,16
